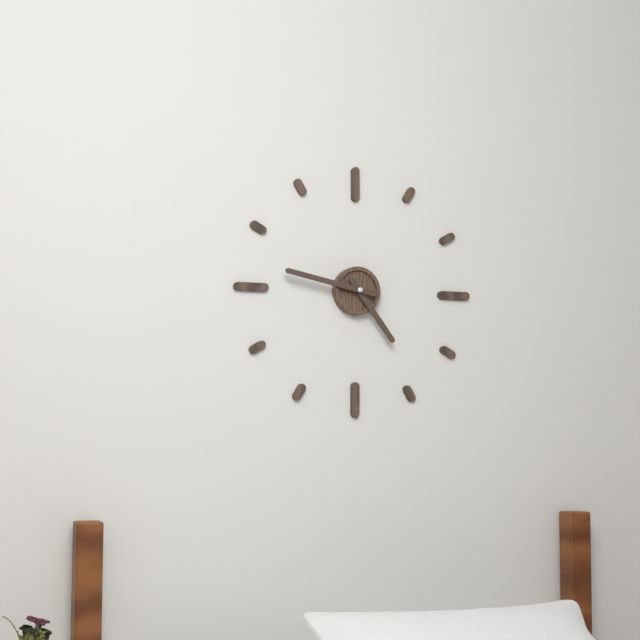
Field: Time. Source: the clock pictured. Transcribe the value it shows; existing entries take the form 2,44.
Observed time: 4,47
